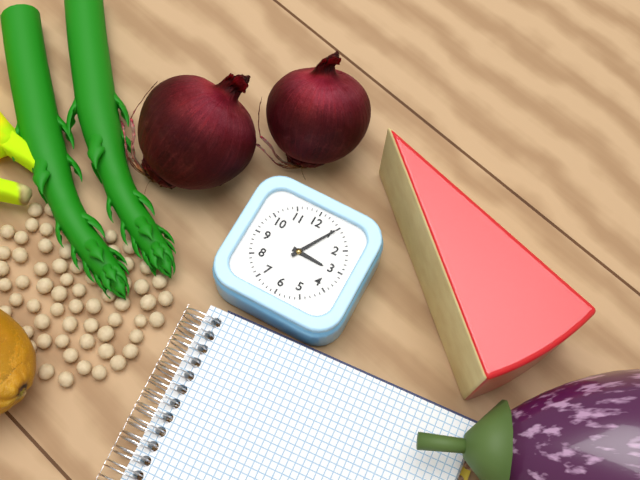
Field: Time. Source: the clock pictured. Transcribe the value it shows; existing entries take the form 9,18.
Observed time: 3,05
